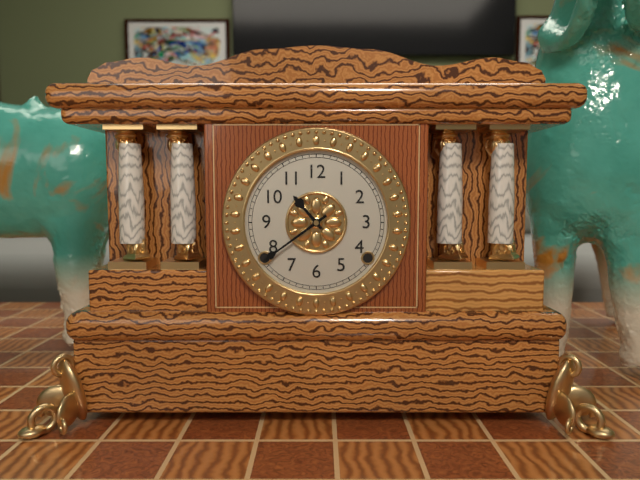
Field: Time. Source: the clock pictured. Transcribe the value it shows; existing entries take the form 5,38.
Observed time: 10,39
